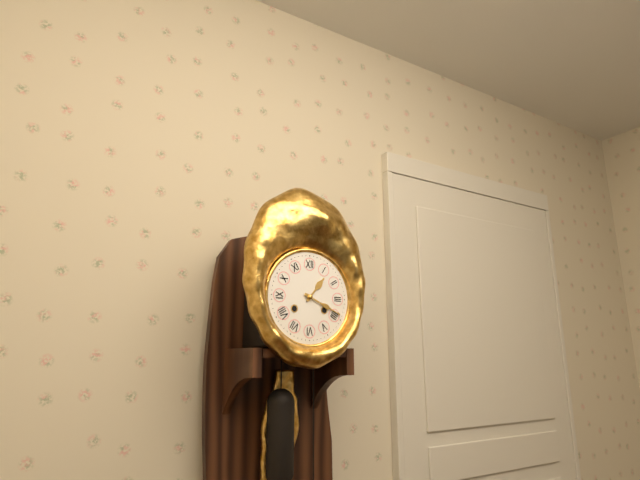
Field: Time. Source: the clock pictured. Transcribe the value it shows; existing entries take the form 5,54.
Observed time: 1,19
